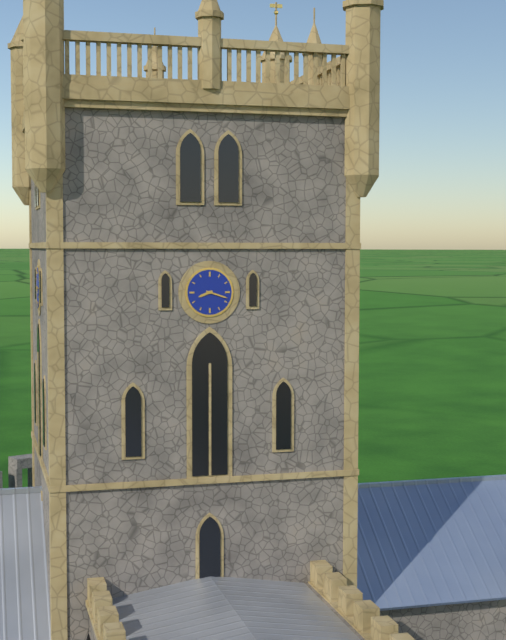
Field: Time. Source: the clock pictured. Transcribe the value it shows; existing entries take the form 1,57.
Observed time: 8,18
